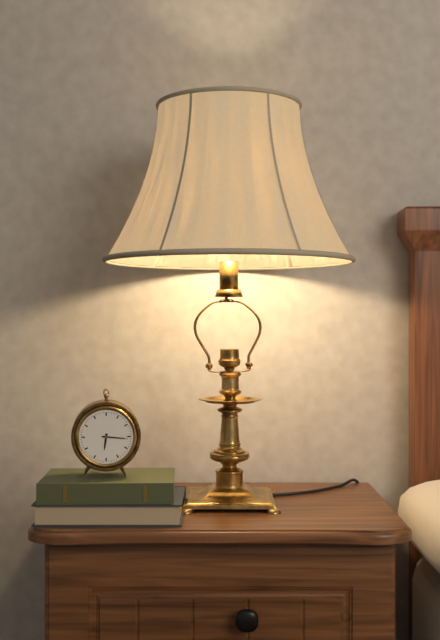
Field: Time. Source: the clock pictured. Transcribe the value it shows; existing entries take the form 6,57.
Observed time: 6,16
